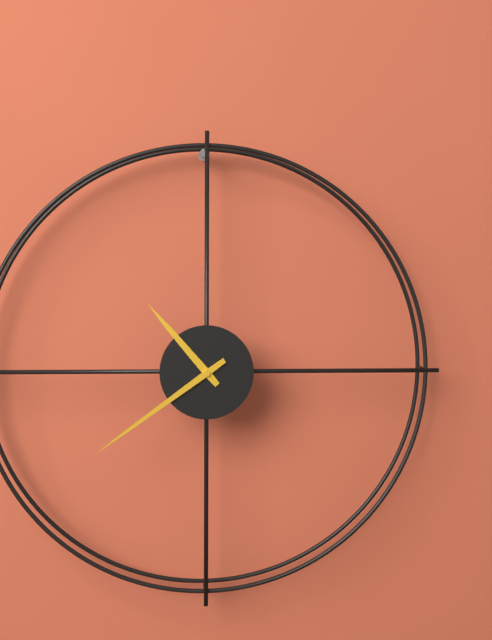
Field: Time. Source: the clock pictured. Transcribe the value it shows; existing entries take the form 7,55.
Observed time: 10,39
